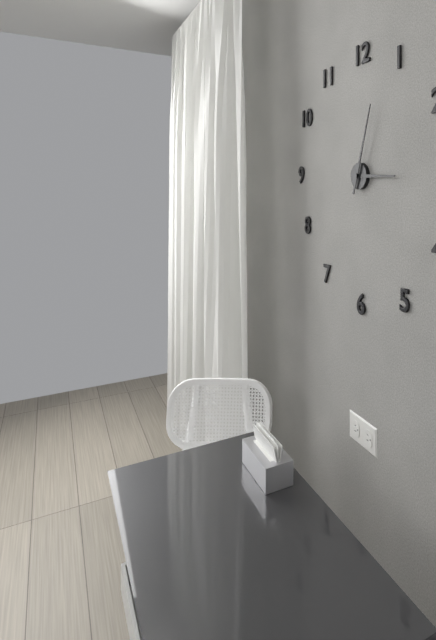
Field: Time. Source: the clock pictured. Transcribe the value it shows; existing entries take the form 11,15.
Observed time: 3,03
